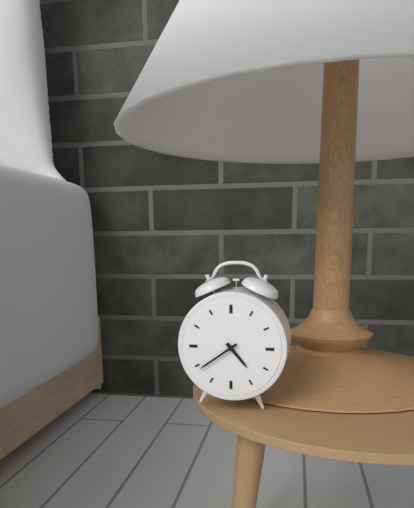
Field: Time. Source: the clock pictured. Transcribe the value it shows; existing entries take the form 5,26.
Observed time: 4,39
